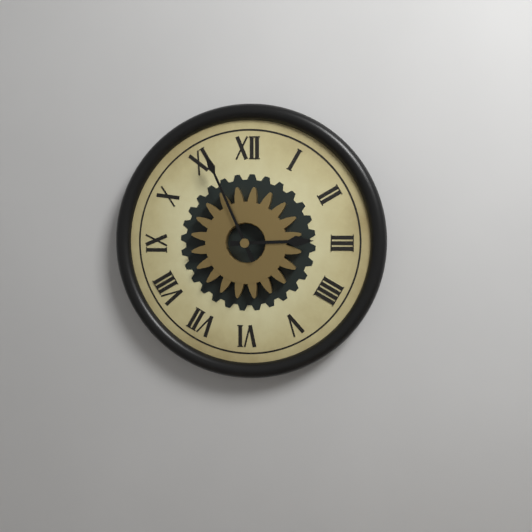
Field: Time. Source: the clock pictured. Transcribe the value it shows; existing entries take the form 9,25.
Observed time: 2,56
